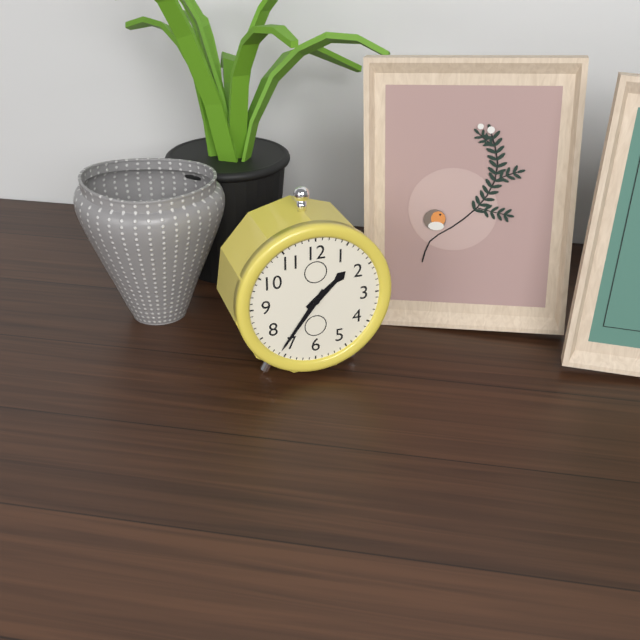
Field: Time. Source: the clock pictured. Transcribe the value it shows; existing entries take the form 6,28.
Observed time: 1,36
